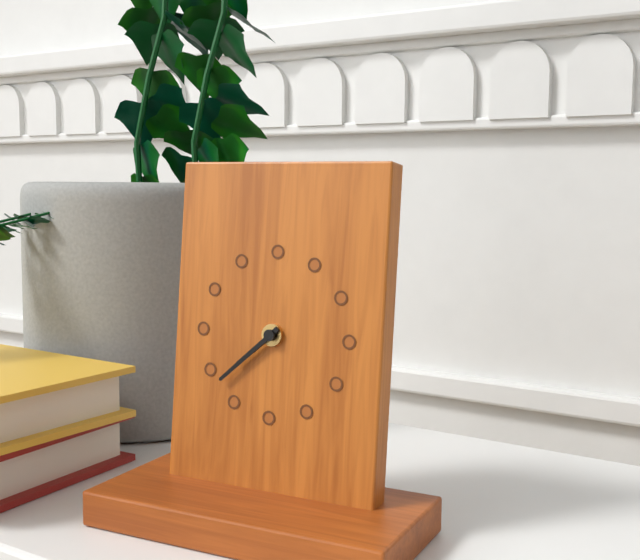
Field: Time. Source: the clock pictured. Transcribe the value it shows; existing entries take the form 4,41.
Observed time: 7,38
